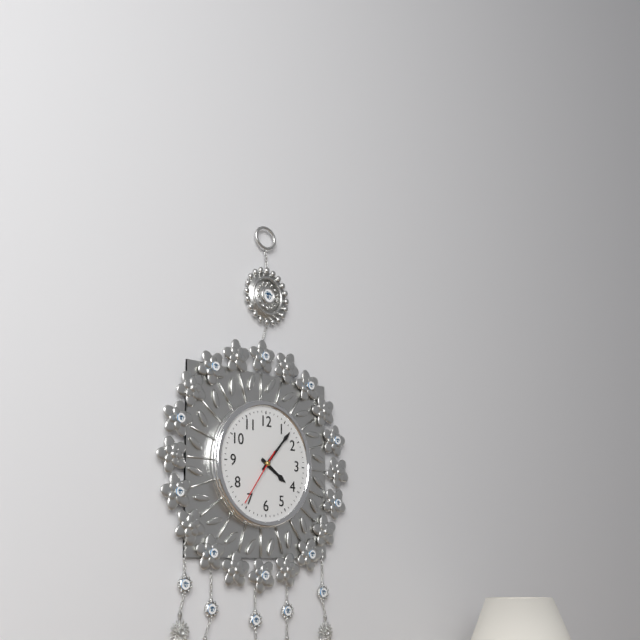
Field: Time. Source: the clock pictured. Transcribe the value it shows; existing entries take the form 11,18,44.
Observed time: 4,07,36
